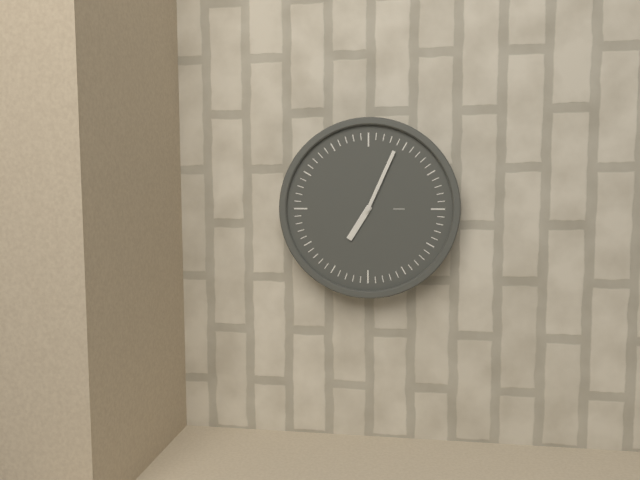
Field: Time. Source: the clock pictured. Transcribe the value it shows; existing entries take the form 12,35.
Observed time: 7,04
